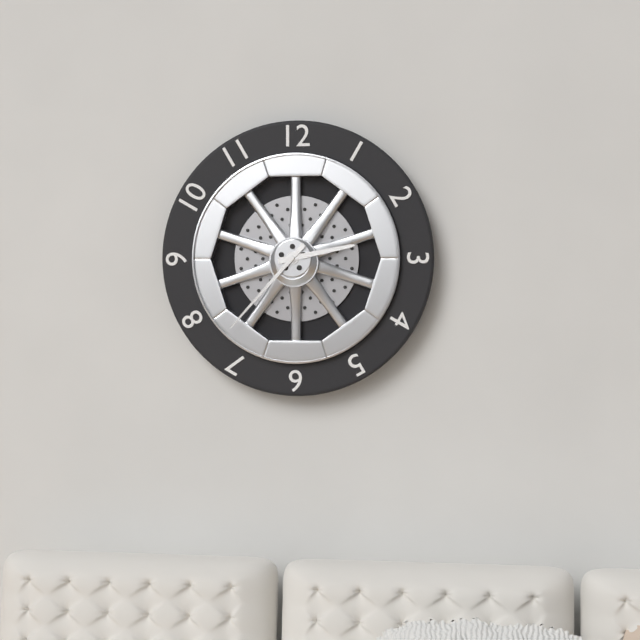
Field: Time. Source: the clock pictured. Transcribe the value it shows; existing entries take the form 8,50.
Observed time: 2,37
